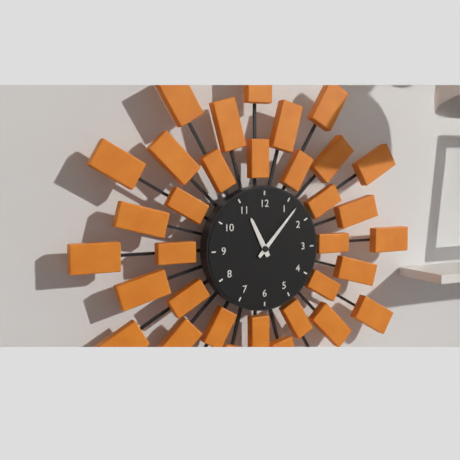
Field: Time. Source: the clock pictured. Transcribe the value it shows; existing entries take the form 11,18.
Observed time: 11,07
